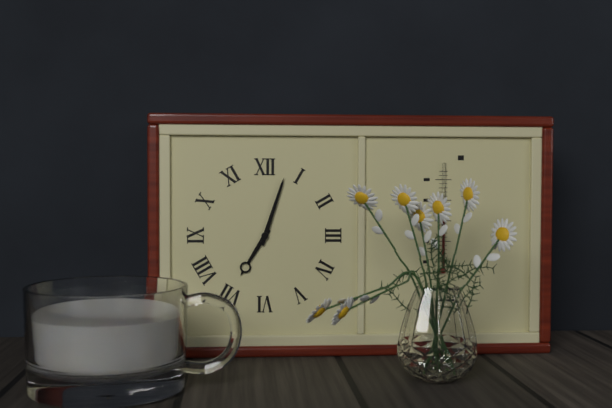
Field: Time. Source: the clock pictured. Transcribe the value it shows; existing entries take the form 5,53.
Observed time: 7,03
